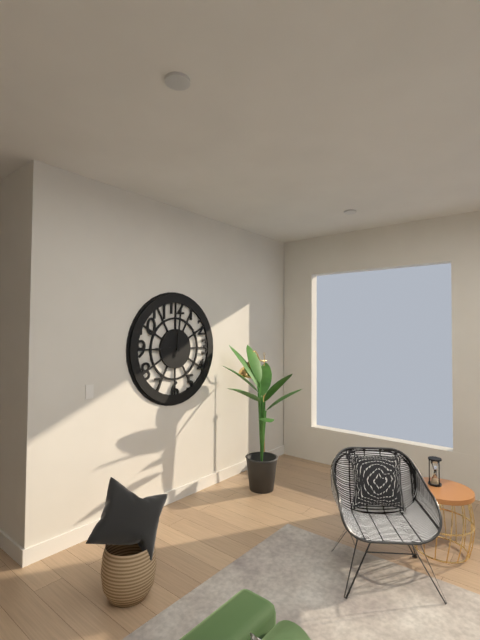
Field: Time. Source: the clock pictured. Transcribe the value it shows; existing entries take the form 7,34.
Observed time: 9,01
